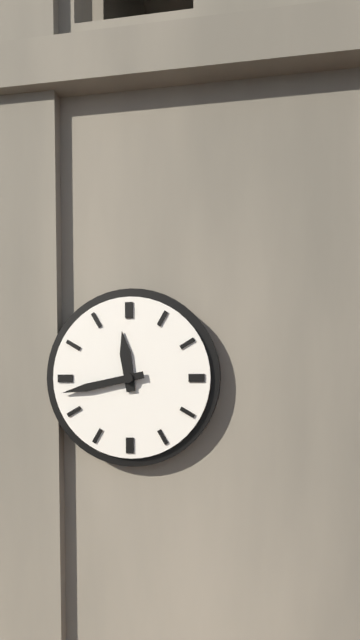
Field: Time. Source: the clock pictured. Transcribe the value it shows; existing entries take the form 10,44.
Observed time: 11,43
